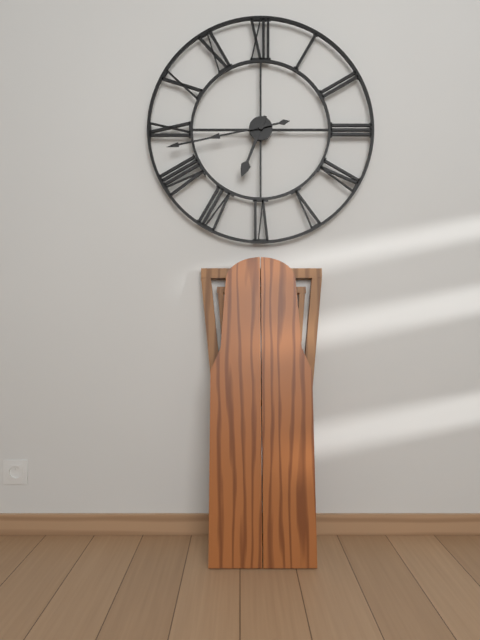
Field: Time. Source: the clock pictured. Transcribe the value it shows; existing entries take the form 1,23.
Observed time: 6,43
